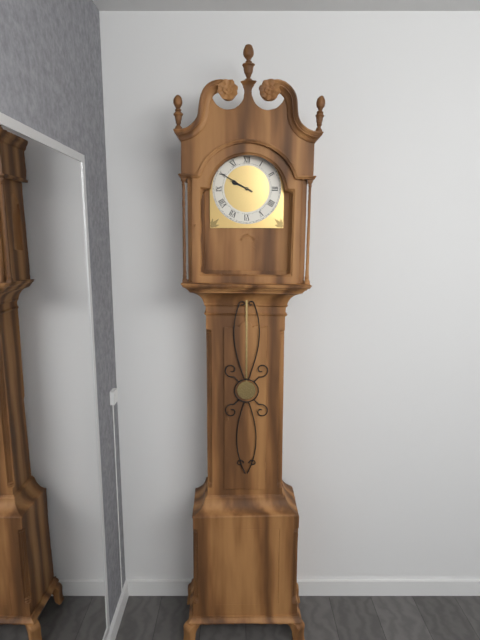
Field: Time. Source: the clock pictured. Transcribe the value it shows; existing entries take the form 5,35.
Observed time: 9,50
